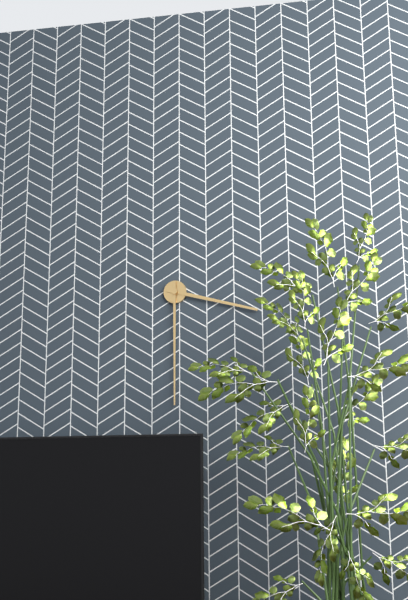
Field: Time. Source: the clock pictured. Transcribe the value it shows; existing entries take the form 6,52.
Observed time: 3,30
